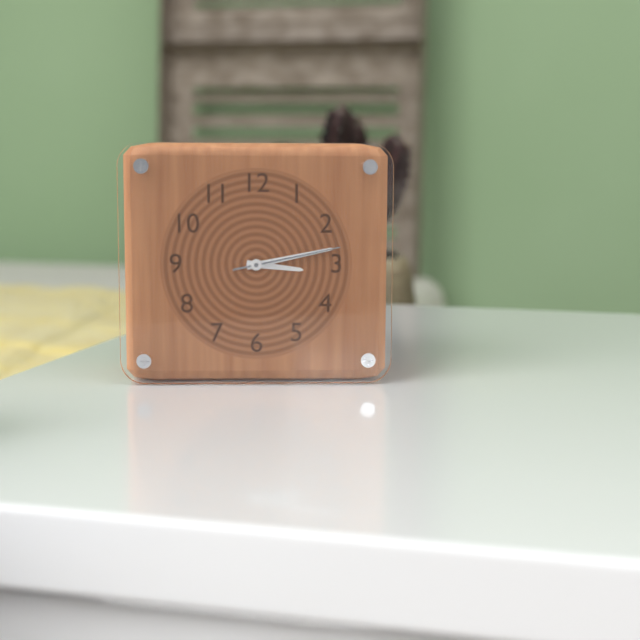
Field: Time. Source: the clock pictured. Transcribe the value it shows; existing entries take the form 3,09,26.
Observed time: 3,13,13
